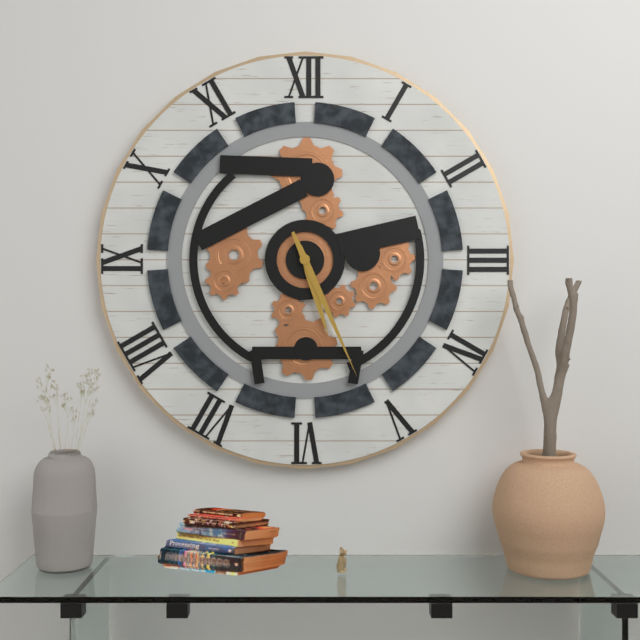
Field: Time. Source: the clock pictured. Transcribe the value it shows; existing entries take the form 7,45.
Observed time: 5,26
